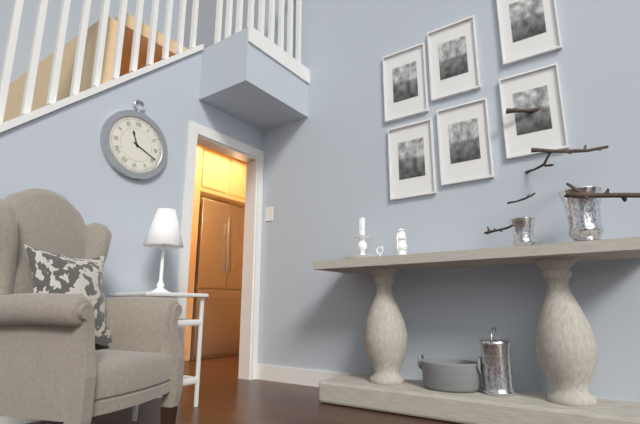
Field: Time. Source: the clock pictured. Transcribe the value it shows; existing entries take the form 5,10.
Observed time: 11,19
